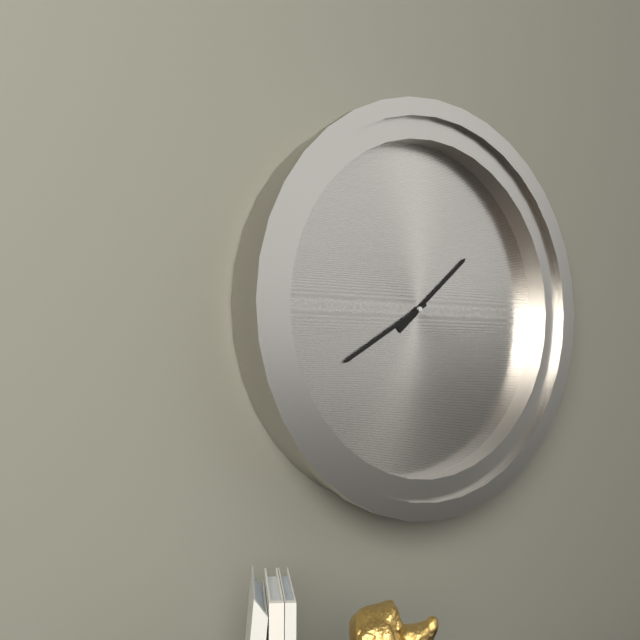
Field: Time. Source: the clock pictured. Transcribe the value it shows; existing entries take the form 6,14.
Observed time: 1,40
